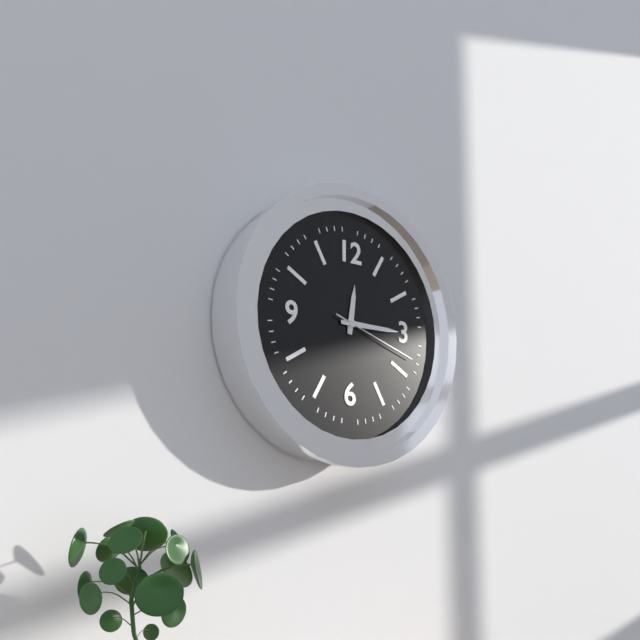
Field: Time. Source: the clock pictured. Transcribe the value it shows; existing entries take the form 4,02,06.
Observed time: 12,15,18
